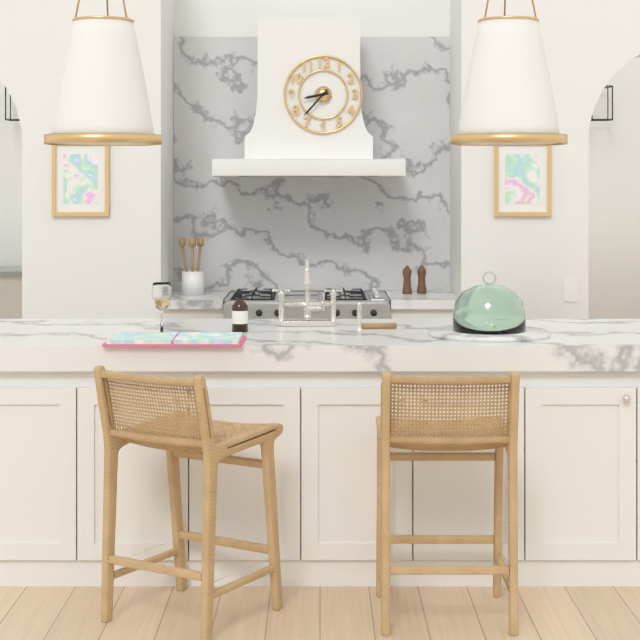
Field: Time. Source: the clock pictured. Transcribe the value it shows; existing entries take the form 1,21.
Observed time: 8,37
